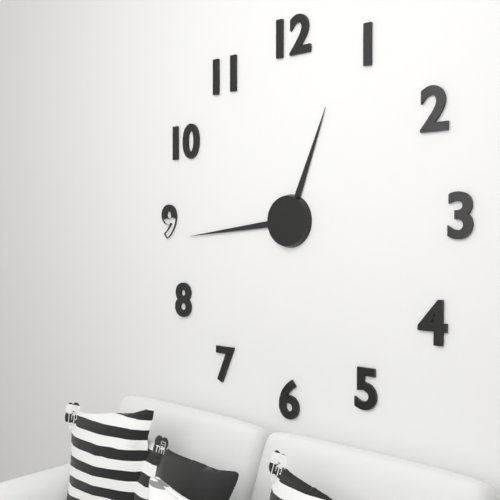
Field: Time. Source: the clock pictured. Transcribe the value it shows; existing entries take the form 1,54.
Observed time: 12,44
